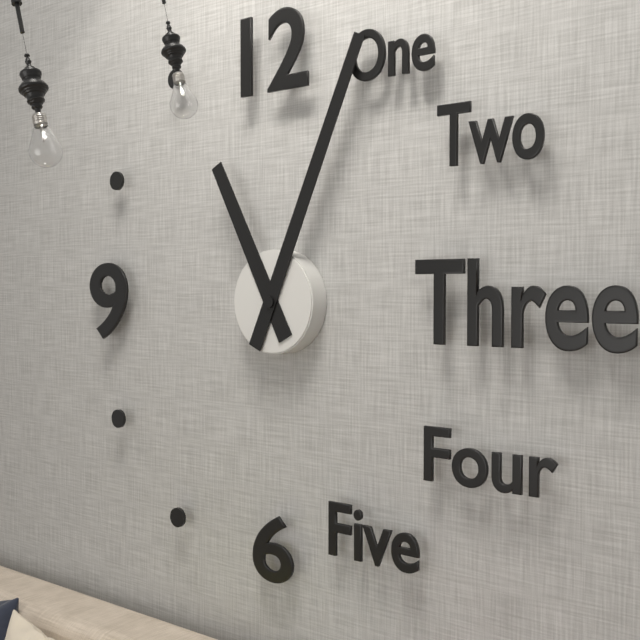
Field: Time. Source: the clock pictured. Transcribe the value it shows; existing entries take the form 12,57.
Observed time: 11,04
